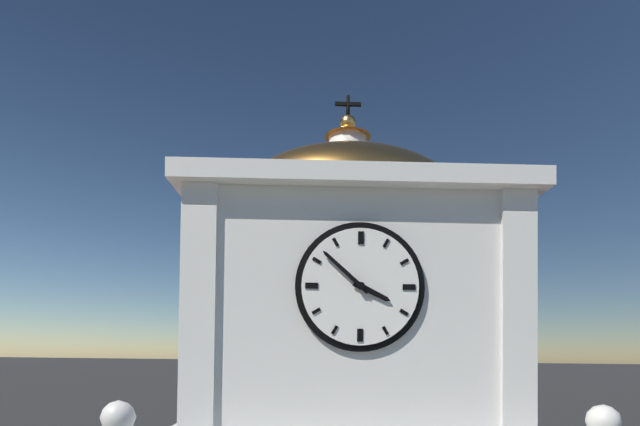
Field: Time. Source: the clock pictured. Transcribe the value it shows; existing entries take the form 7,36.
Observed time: 3,52
